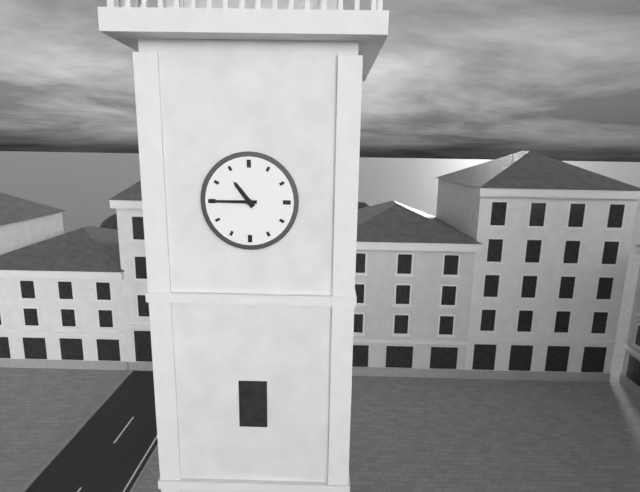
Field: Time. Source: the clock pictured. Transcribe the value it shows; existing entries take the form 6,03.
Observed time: 10,45
